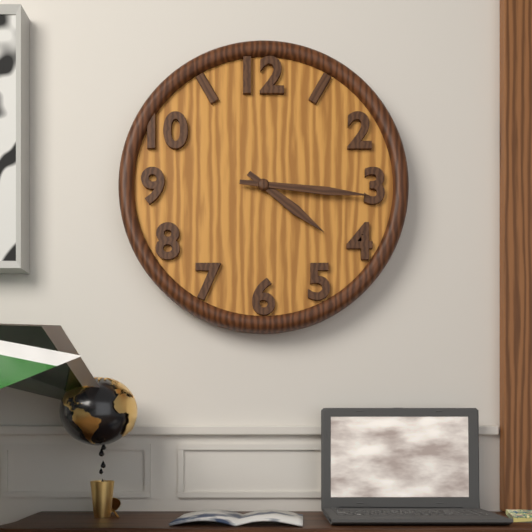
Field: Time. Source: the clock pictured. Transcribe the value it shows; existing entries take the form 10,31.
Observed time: 4,16
